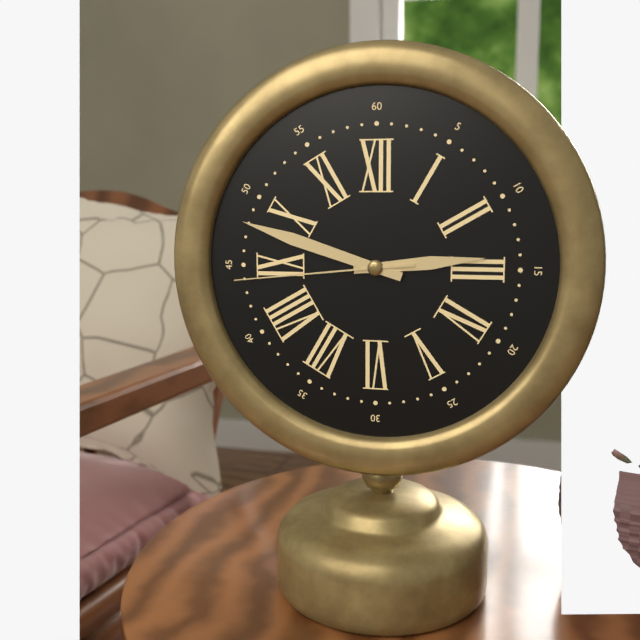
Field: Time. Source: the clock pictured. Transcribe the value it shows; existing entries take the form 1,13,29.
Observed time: 2,48,44
